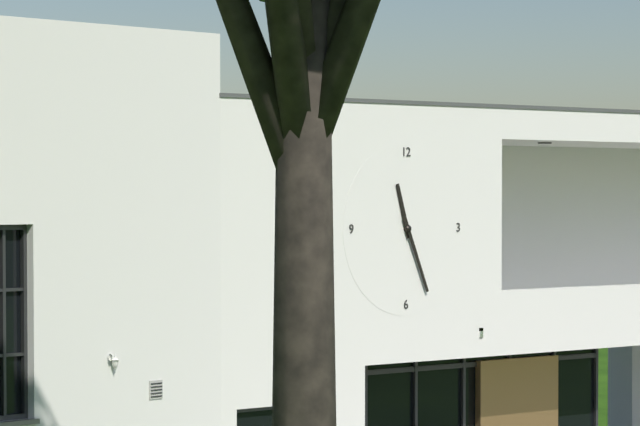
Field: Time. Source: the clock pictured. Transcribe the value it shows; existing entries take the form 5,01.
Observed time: 11,26
